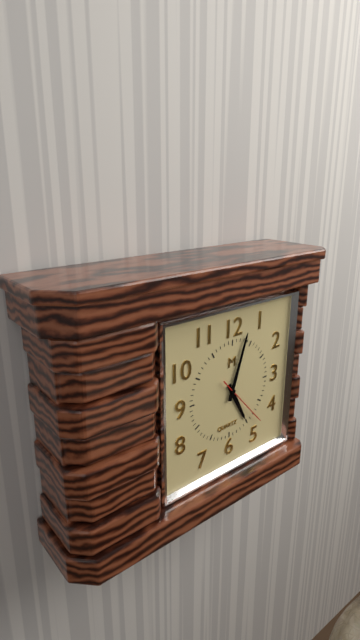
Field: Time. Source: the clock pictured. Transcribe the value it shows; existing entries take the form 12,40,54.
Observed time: 5,03,23
